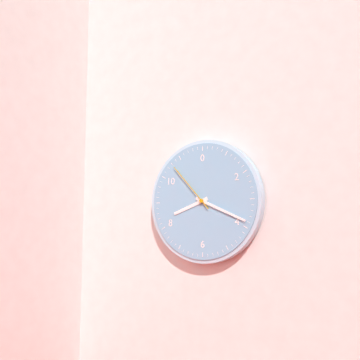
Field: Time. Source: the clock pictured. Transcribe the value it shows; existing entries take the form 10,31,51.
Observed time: 8,19,53
